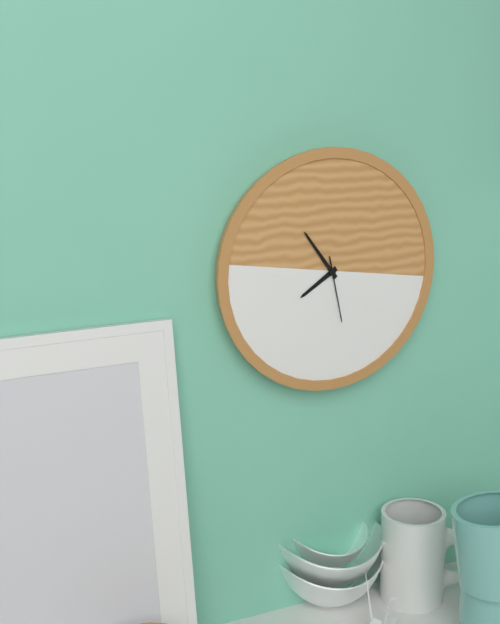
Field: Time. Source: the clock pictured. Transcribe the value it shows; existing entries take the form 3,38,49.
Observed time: 7,54,28
